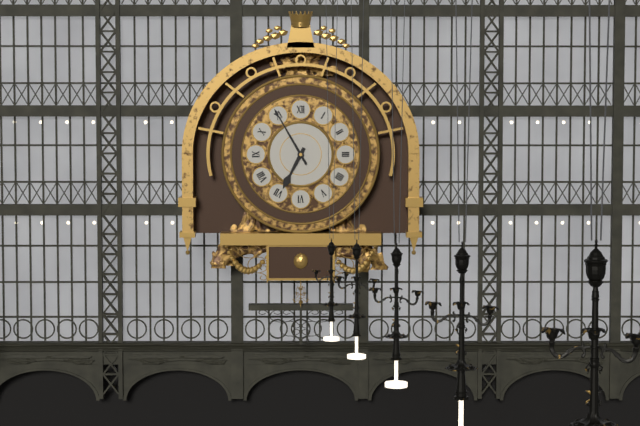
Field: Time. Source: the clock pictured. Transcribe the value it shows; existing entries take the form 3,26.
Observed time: 6,55
